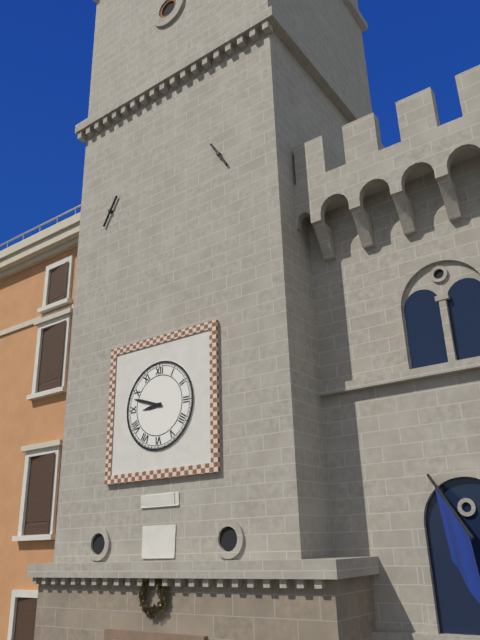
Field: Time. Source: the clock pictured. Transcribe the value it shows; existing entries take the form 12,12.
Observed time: 8,48
